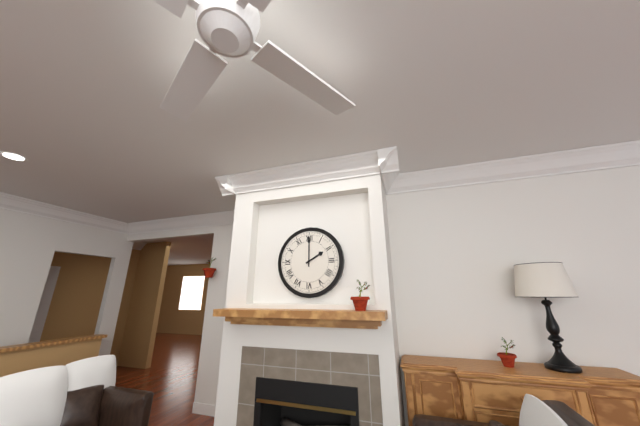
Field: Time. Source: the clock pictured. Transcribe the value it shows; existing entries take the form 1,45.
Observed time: 2,00
